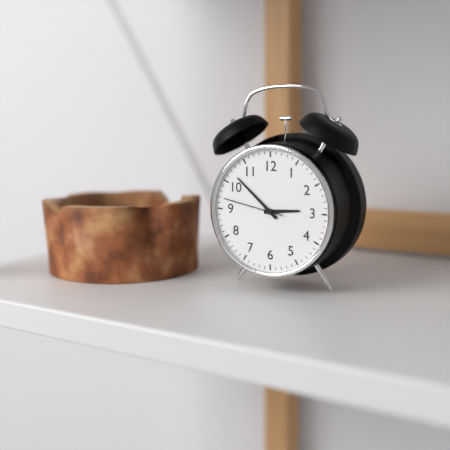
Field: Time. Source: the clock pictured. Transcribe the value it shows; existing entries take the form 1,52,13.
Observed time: 2,52,47
